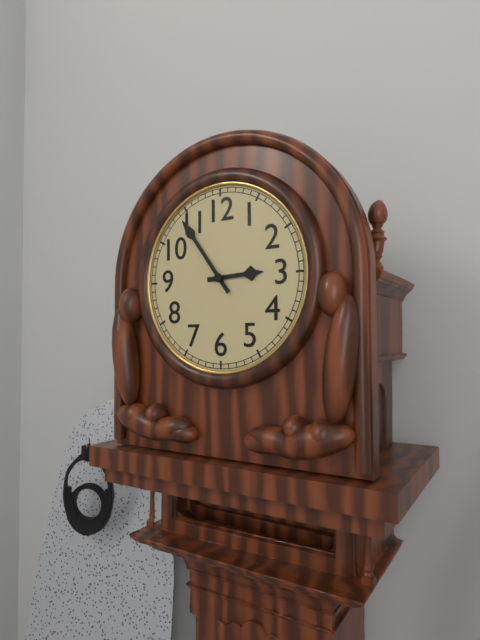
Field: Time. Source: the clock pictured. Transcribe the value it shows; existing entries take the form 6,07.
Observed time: 2,54
